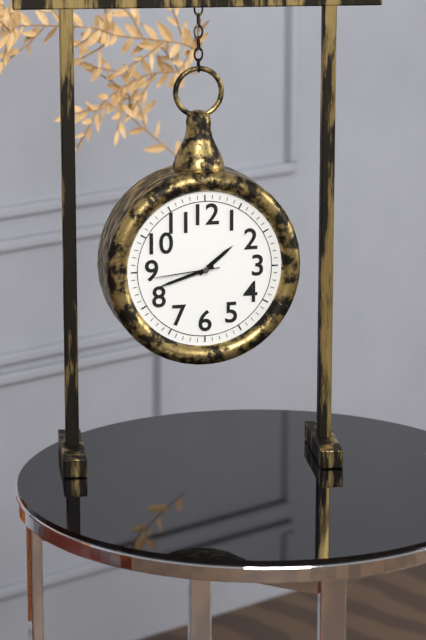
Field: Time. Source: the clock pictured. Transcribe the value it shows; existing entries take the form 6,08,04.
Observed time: 1,42,44
